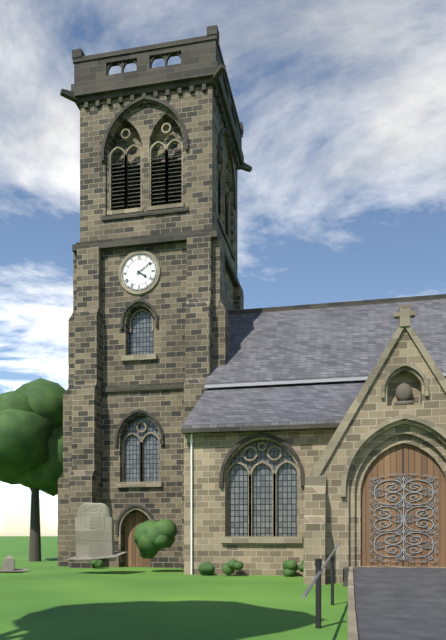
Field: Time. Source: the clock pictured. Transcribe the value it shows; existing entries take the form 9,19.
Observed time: 4,09
